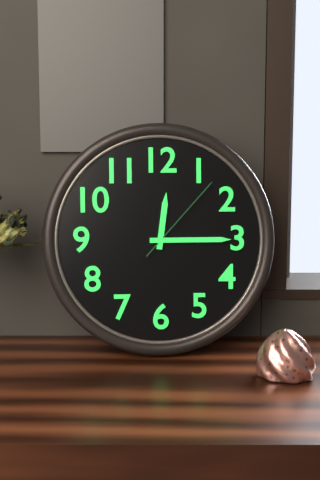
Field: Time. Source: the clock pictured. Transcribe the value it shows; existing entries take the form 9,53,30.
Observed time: 12,15,07
